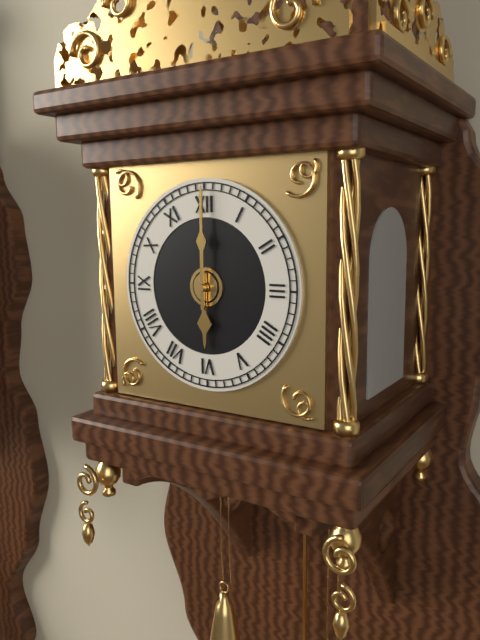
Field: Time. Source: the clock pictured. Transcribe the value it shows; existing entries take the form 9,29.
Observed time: 6,00
